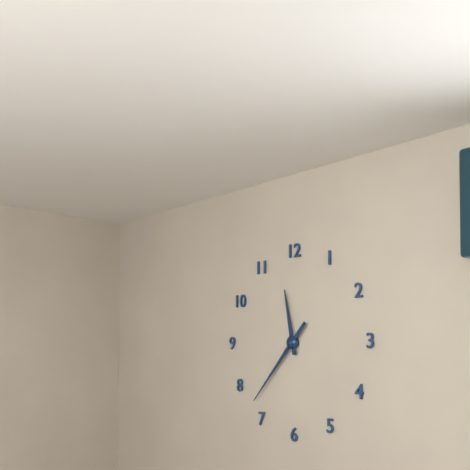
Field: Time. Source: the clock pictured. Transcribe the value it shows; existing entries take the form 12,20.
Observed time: 11,37
